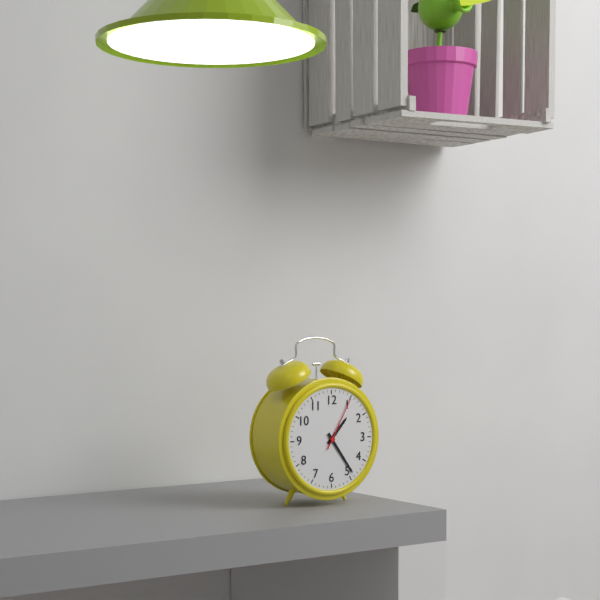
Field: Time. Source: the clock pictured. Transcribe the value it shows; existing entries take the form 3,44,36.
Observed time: 1,24,05
